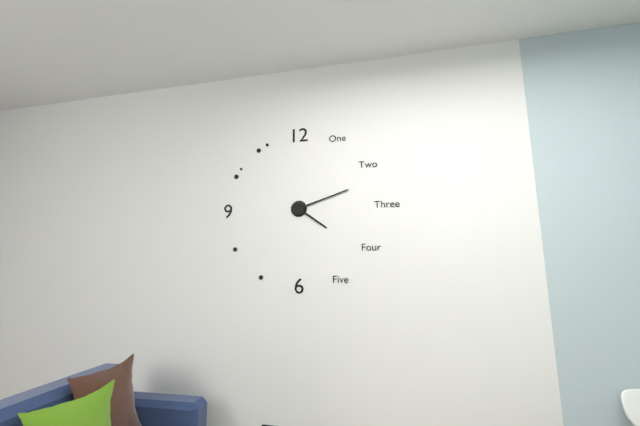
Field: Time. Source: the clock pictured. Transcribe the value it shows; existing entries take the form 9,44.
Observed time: 4,12
